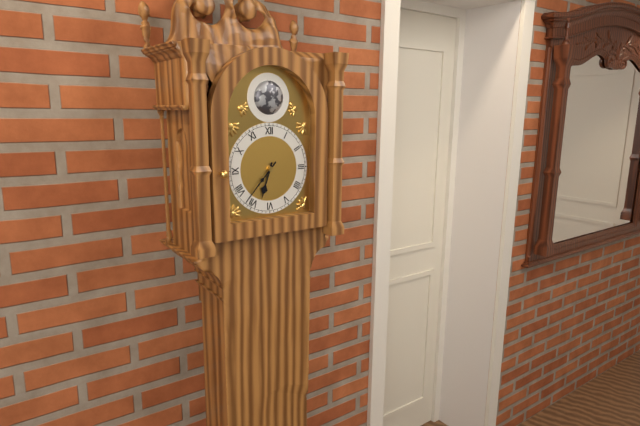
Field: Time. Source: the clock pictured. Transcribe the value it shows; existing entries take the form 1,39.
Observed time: 6,37
